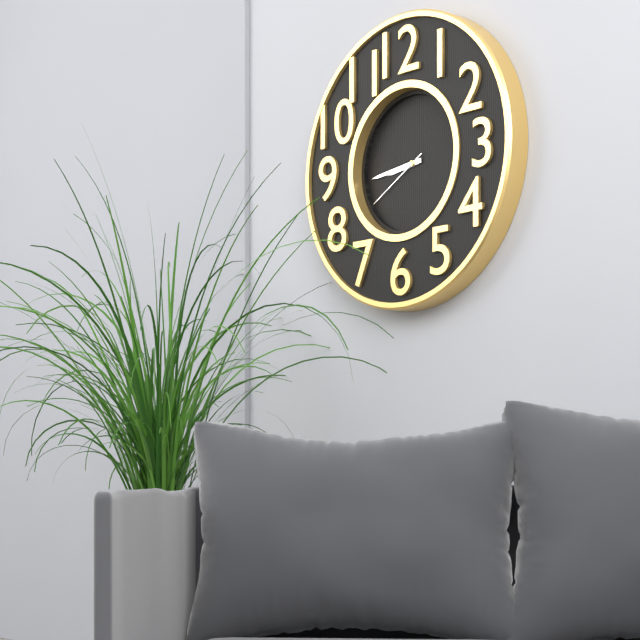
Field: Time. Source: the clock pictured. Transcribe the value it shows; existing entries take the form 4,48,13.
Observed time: 8,44,40
